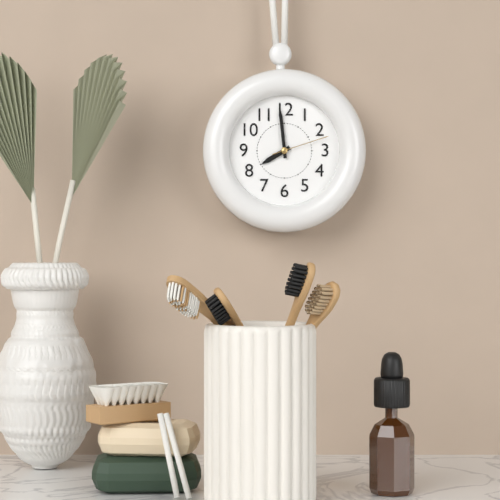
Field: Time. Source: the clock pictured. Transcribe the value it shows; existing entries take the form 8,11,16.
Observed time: 7,59,12
